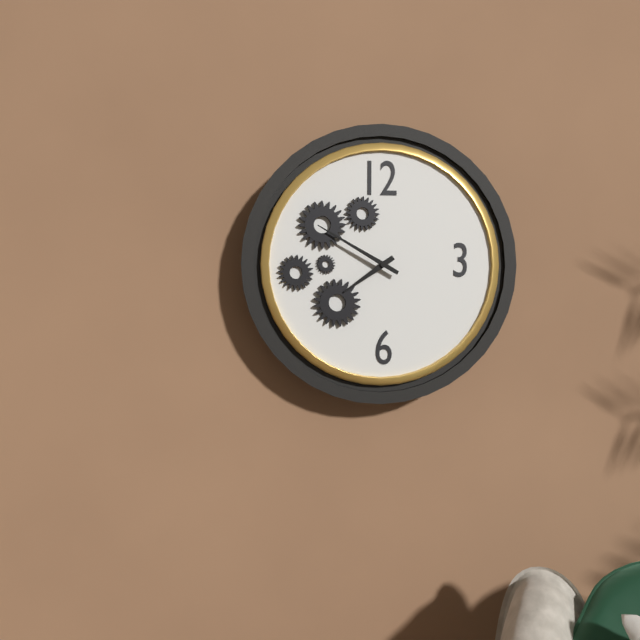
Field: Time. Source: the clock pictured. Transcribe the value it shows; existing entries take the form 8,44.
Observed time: 7,50
